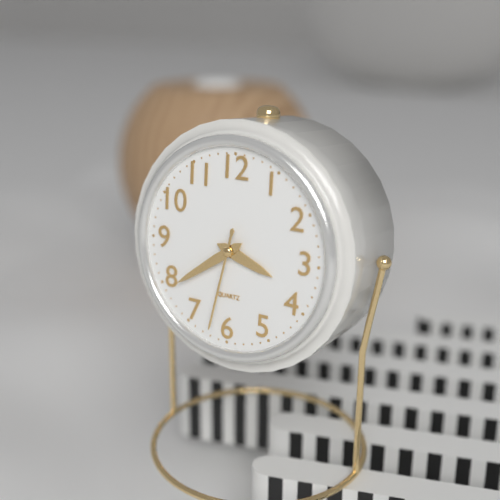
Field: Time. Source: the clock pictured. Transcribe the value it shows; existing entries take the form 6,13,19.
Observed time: 3,39,32
